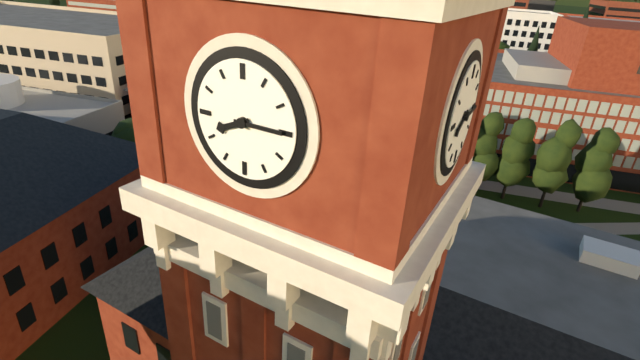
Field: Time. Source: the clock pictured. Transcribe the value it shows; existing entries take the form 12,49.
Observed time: 8,15
